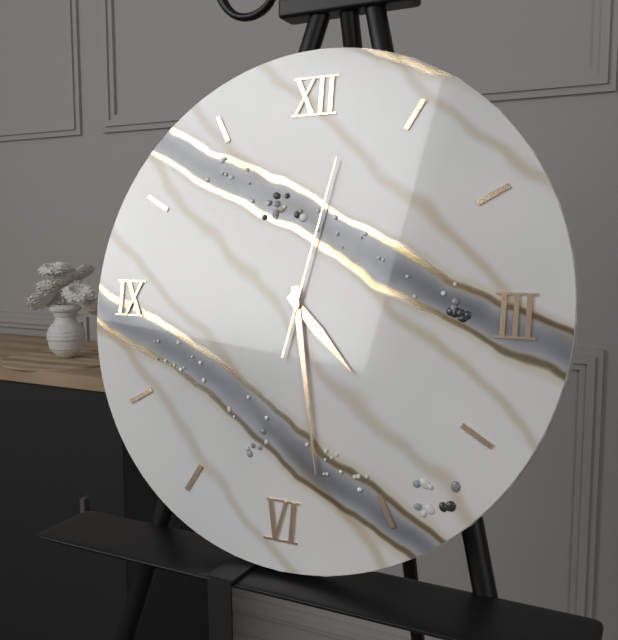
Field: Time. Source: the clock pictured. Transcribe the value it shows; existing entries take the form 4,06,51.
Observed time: 4,28,02
